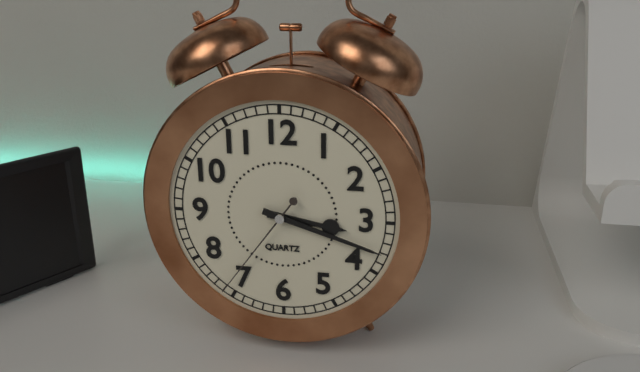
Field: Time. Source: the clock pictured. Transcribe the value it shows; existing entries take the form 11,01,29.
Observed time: 3,18,36
